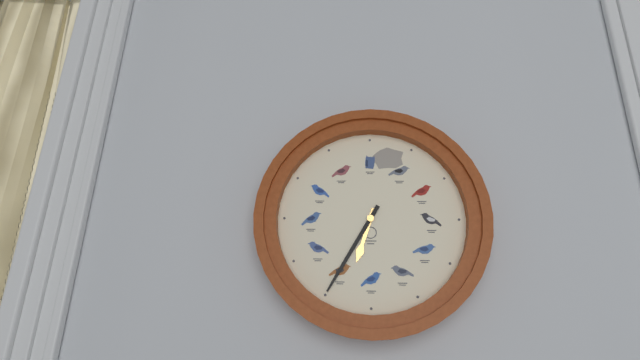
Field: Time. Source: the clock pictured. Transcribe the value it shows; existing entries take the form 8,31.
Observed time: 6,35
